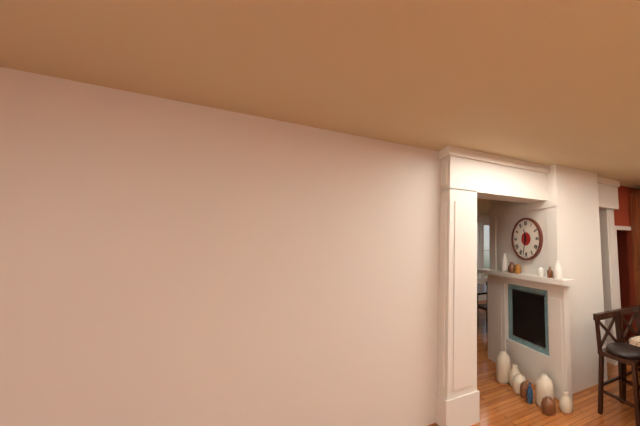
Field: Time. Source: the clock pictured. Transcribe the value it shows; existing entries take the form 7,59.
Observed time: 11,32
